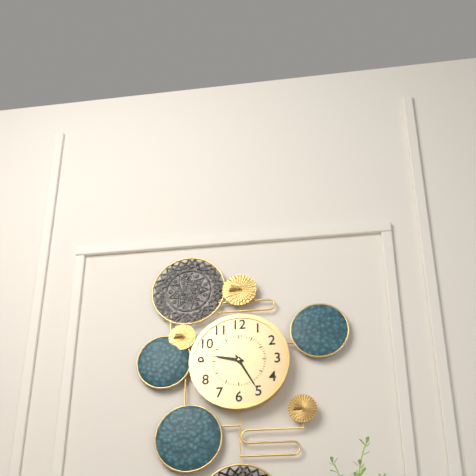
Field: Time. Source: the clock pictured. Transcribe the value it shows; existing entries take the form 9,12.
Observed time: 9,25
